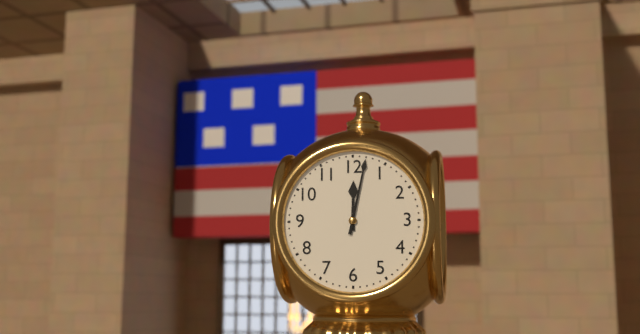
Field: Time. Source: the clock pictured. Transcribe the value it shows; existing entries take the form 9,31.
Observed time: 12,02
